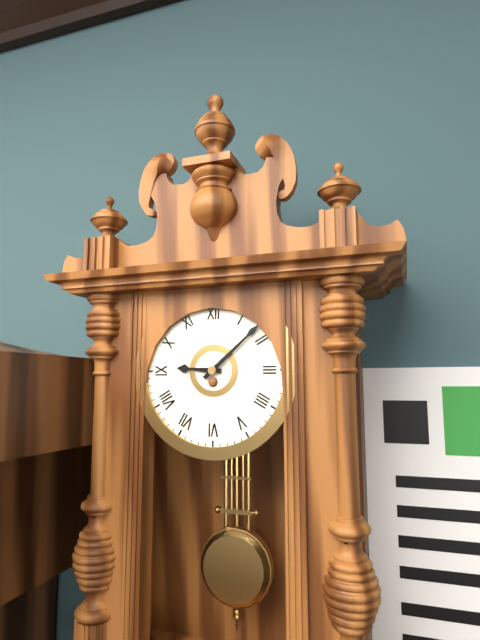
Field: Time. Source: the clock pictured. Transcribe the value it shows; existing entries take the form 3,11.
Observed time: 9,08
